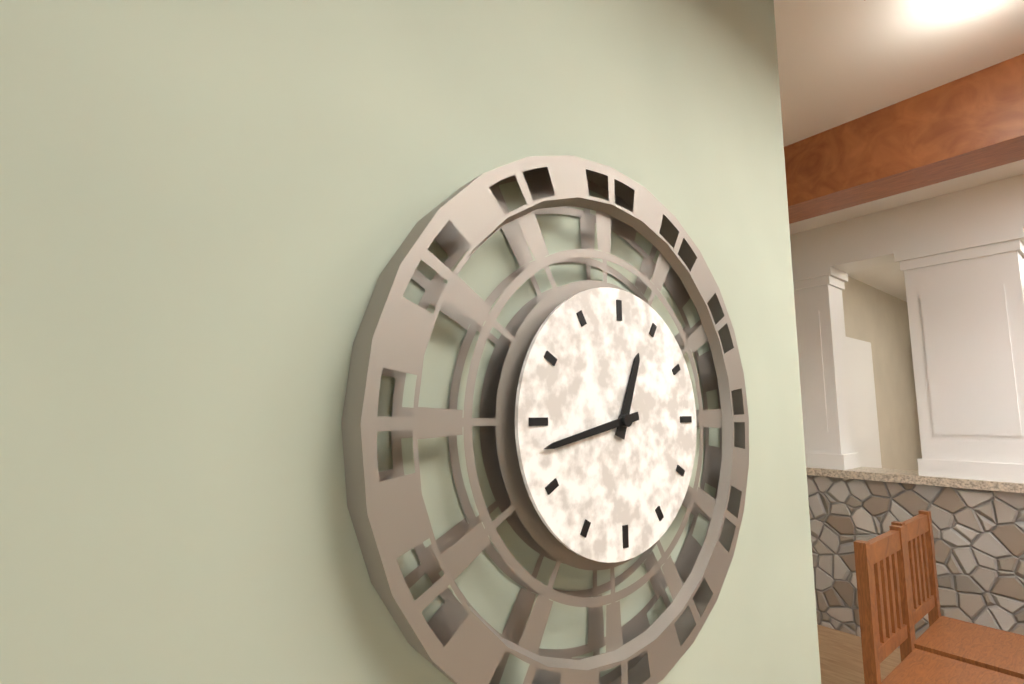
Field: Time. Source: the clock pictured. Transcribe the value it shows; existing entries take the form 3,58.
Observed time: 12,43
